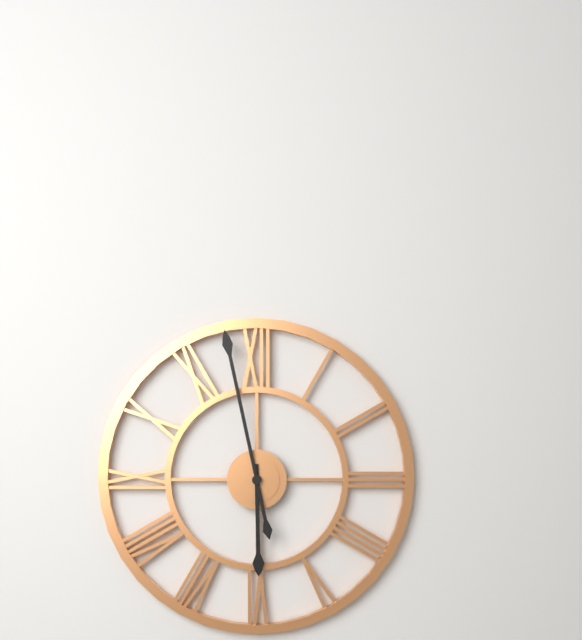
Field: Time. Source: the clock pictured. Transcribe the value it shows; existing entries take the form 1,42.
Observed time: 5,58
